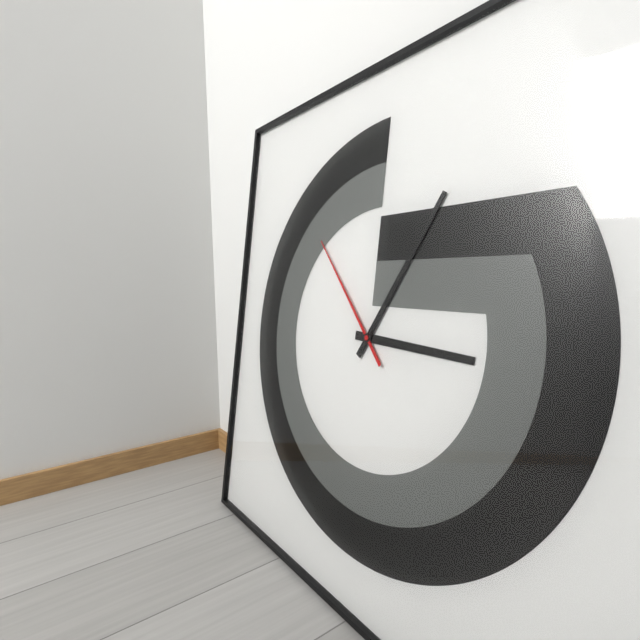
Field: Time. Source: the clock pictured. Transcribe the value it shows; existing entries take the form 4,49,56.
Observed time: 3,05,53
